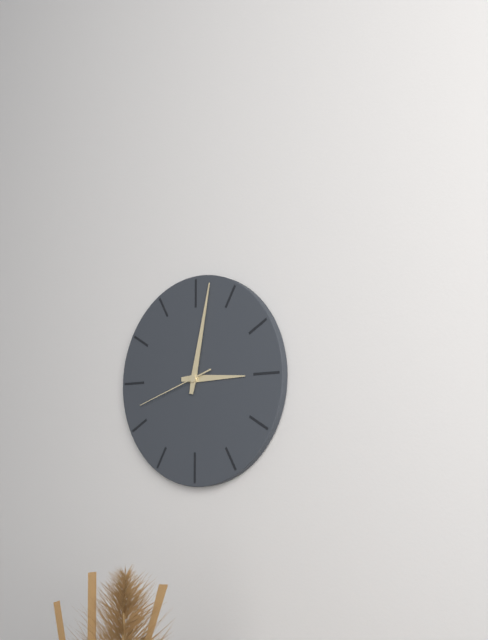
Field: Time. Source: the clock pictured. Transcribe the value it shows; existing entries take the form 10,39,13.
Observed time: 3,02,42
